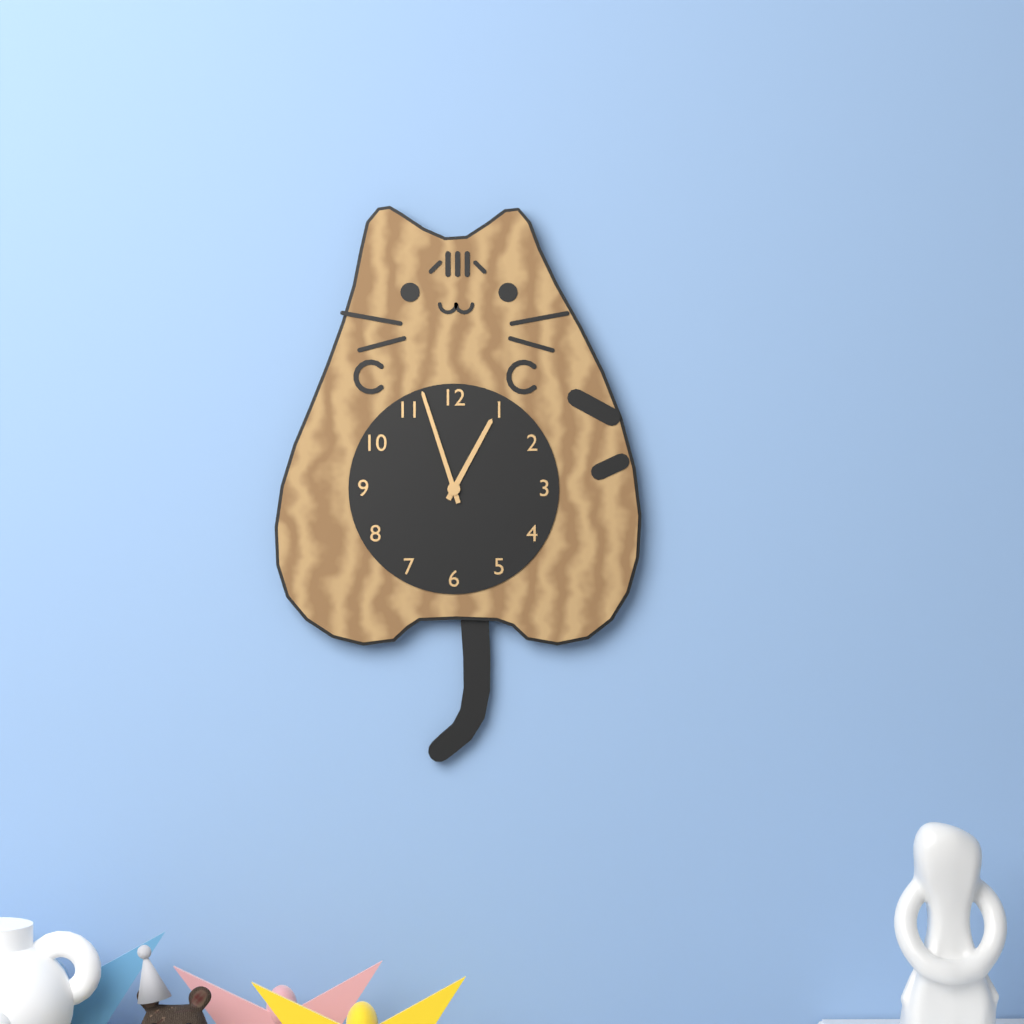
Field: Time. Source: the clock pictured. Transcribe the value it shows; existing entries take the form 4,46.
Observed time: 12,57
